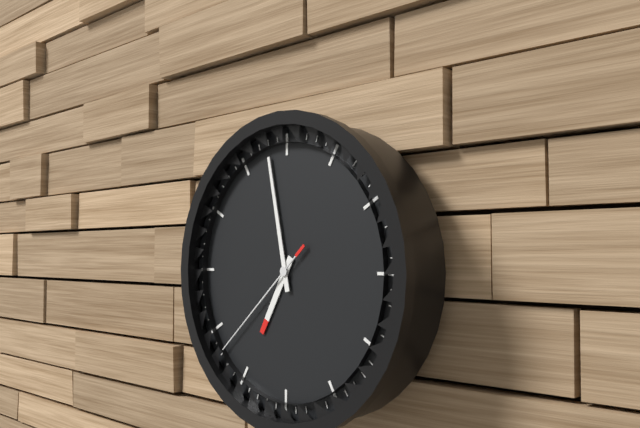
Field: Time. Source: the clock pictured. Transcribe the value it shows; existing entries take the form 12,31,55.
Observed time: 6,58,38
